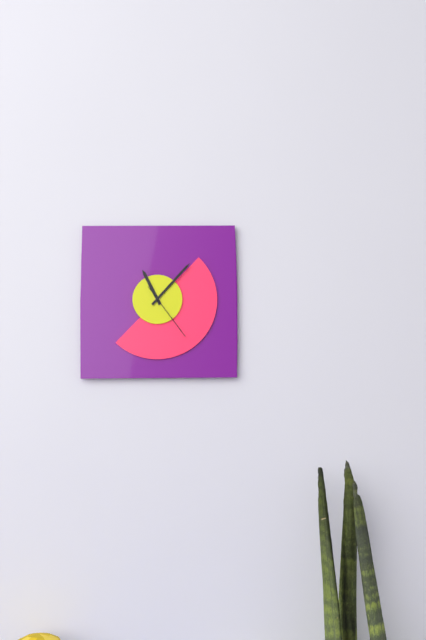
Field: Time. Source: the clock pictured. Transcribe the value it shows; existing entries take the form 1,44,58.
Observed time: 11,07,24
